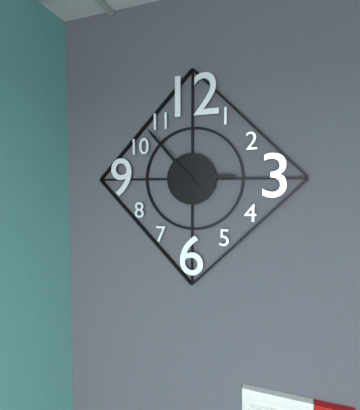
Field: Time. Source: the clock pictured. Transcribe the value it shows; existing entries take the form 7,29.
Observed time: 2,53
